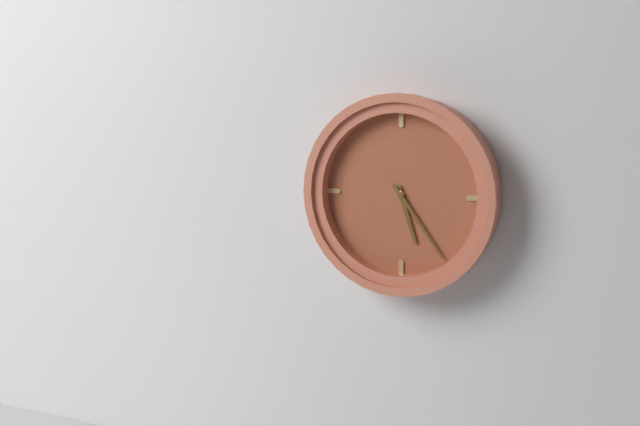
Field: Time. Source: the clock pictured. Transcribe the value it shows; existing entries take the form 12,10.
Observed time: 5,24
